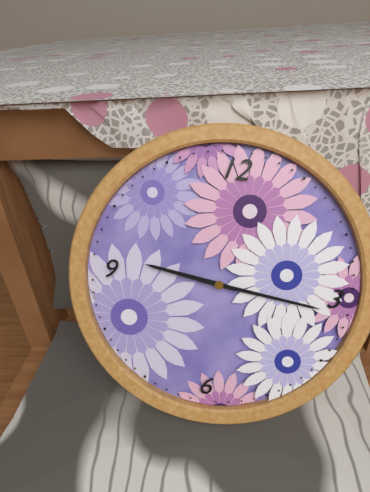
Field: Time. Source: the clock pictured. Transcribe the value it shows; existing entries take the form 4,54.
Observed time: 9,16
